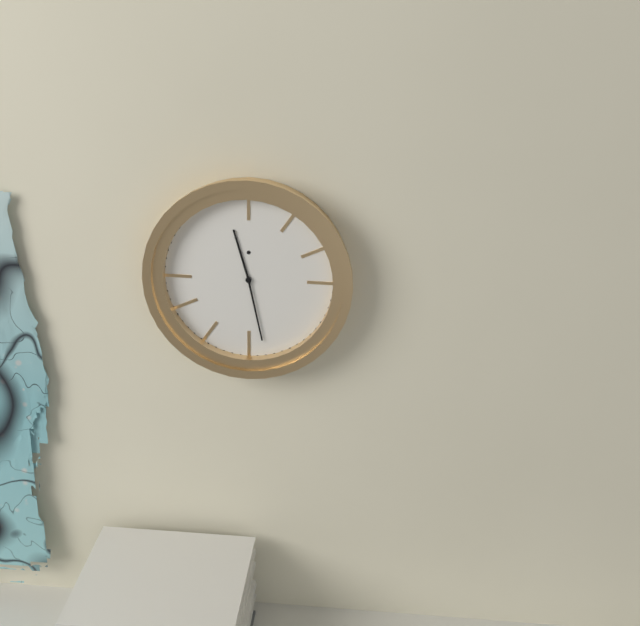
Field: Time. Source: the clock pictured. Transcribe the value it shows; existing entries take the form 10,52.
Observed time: 11,28
